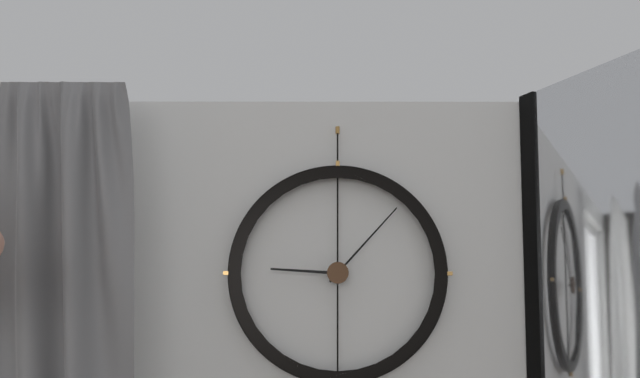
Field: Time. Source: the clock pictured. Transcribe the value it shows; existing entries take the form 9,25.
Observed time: 9,07
